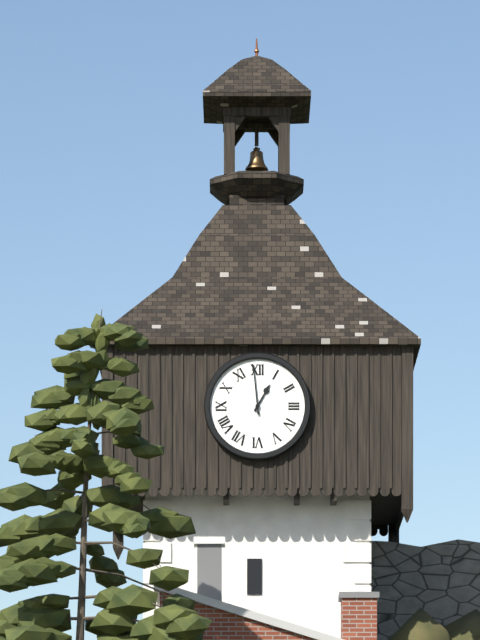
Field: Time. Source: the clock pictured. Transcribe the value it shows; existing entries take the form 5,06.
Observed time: 12,59
